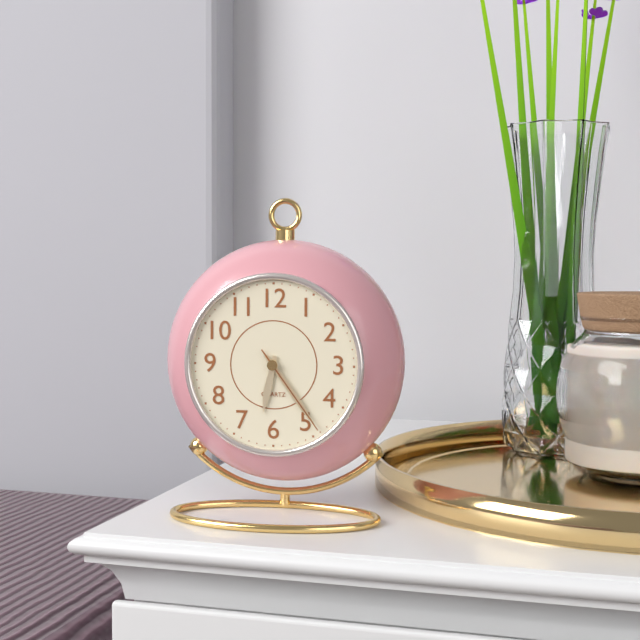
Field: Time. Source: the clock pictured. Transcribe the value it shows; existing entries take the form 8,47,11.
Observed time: 6,24,24
